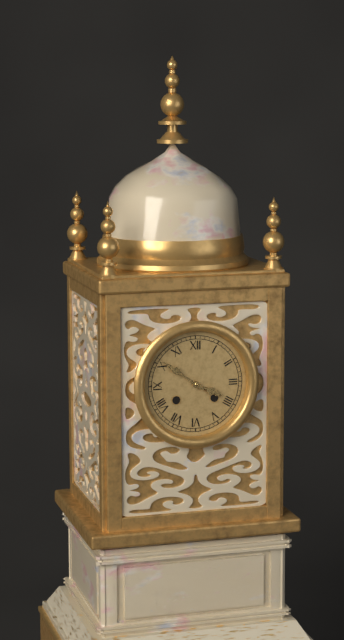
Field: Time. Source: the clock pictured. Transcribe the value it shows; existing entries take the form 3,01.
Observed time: 3,51
